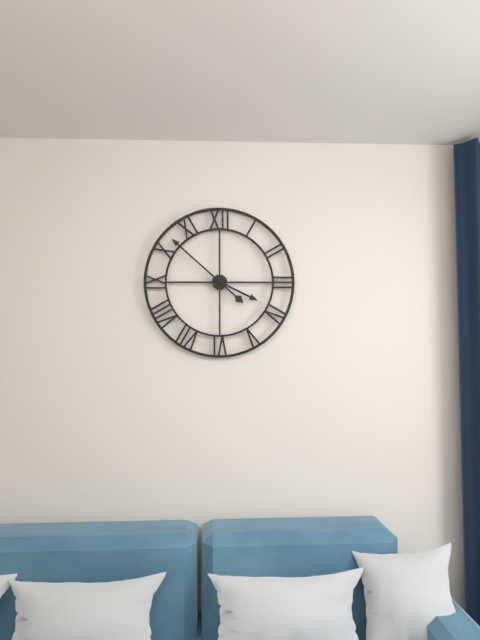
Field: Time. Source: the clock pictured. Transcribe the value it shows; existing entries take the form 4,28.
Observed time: 3,52
